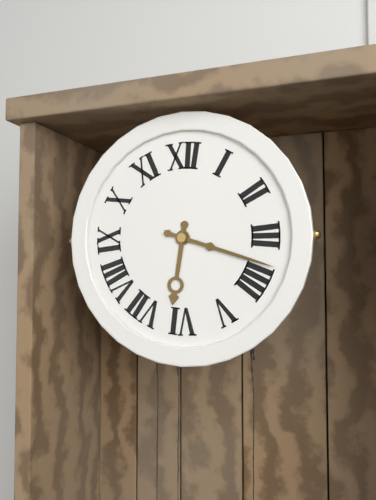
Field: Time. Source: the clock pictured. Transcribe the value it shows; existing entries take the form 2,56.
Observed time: 6,18
